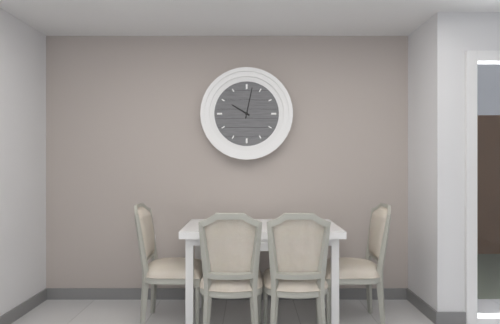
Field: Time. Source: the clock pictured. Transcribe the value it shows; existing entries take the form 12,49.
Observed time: 10,02
